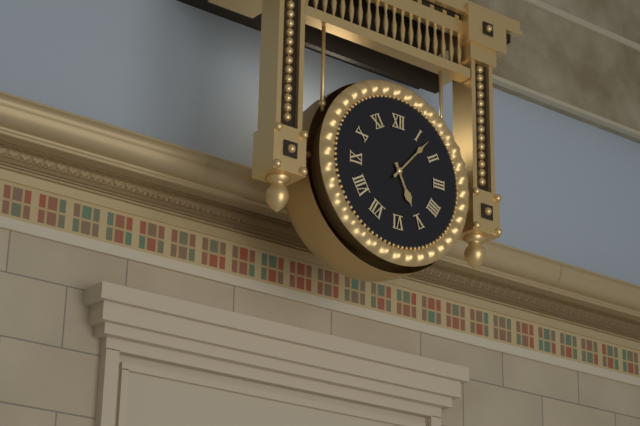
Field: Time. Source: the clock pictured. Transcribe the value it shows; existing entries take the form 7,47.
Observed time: 5,07
